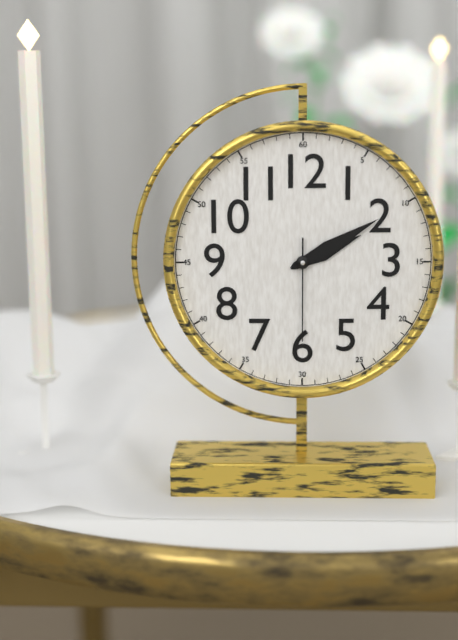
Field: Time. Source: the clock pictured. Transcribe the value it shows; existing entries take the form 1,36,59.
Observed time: 2,10,30
